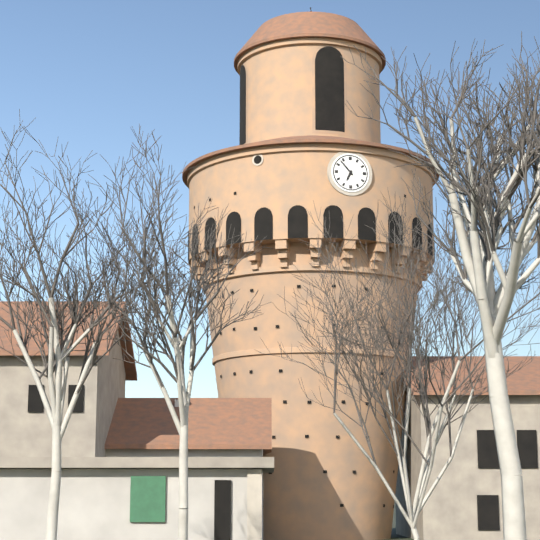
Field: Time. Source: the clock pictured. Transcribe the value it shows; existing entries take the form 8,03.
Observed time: 6,53
